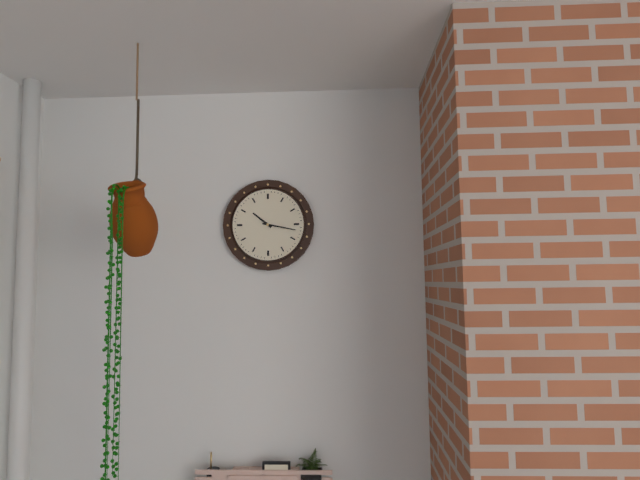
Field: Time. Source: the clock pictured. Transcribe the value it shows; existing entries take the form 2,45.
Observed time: 10,17
